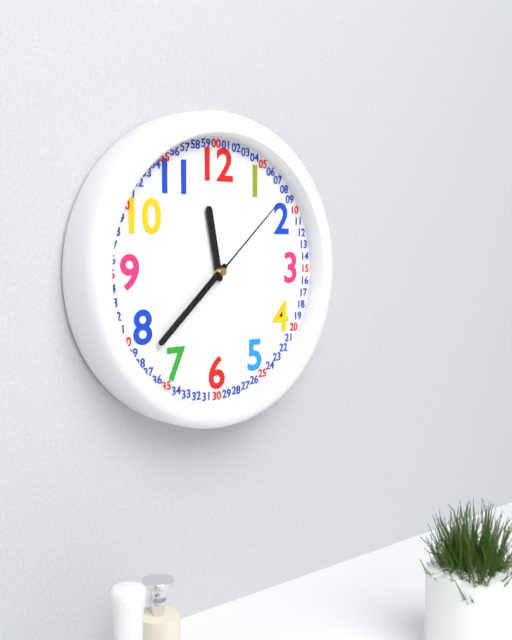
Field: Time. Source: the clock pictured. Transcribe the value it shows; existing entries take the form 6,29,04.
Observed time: 11,38,08
